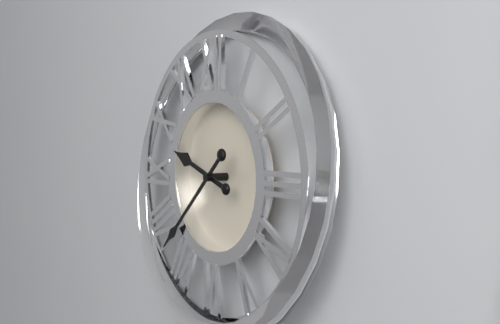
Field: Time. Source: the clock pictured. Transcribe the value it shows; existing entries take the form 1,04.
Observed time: 9,38
